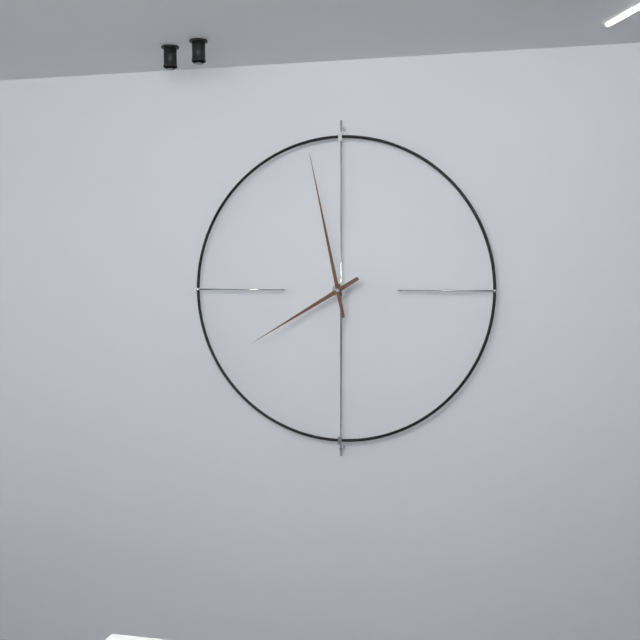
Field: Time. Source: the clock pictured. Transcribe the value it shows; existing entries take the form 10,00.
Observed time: 7,58
